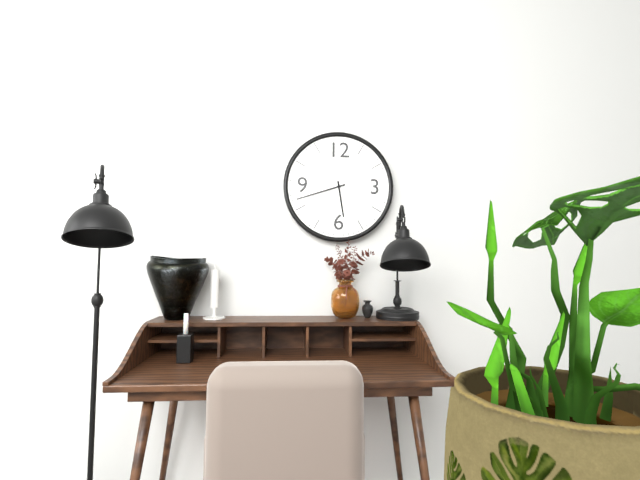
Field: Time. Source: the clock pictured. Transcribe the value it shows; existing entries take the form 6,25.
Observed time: 5,42
